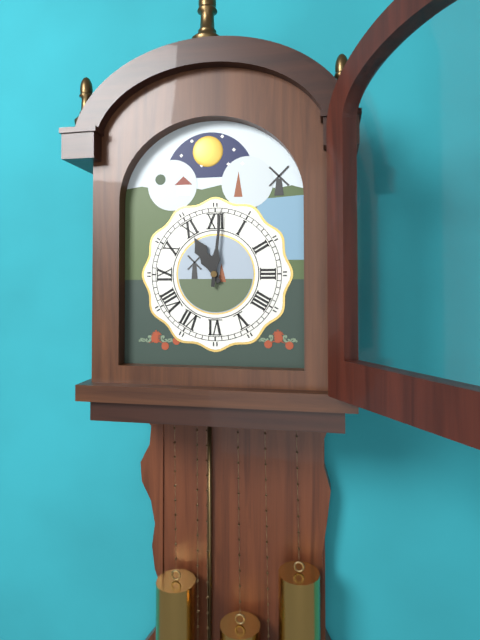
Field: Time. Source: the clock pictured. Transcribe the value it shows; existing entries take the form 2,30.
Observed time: 11,01
